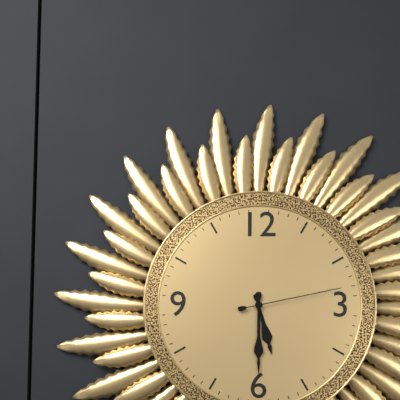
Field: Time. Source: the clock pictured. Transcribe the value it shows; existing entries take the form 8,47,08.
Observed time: 5,30,13
